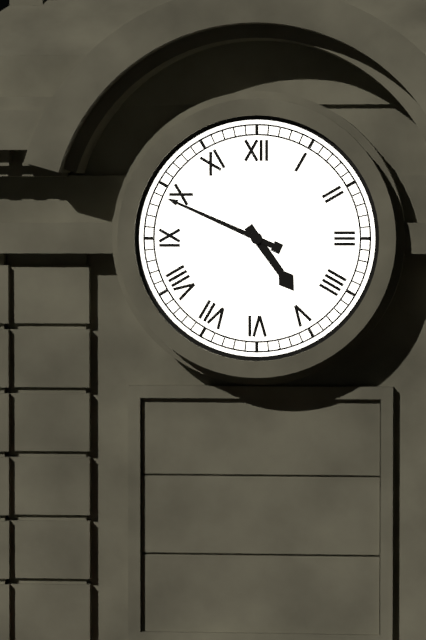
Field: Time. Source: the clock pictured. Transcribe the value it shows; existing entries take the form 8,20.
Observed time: 4,49
